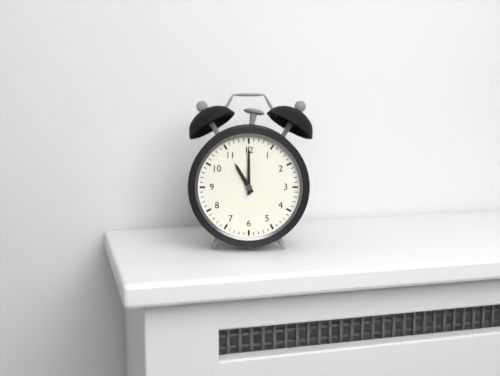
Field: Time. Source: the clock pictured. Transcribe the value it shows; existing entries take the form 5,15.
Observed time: 11,00
